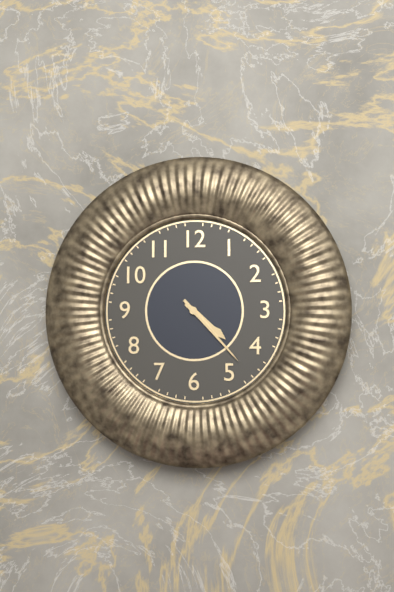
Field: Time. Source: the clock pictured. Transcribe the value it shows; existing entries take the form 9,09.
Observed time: 4,23
